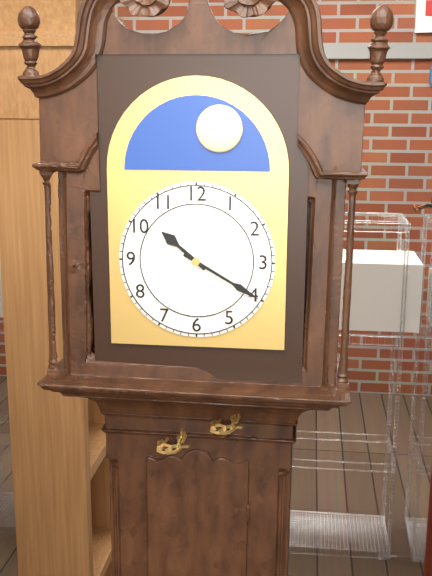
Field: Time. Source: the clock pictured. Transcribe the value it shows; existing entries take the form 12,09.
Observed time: 10,20
